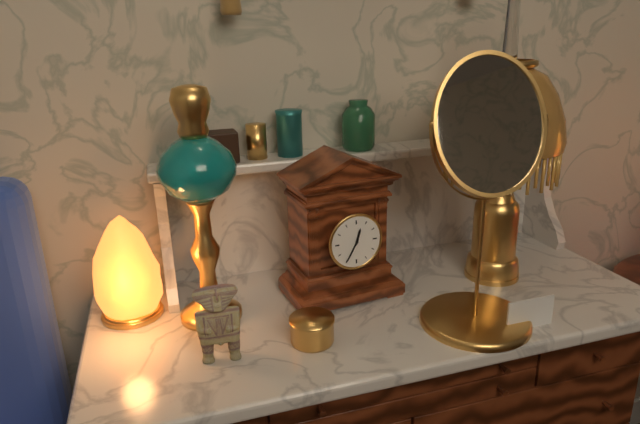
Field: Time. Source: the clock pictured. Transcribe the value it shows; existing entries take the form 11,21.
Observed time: 12,35
